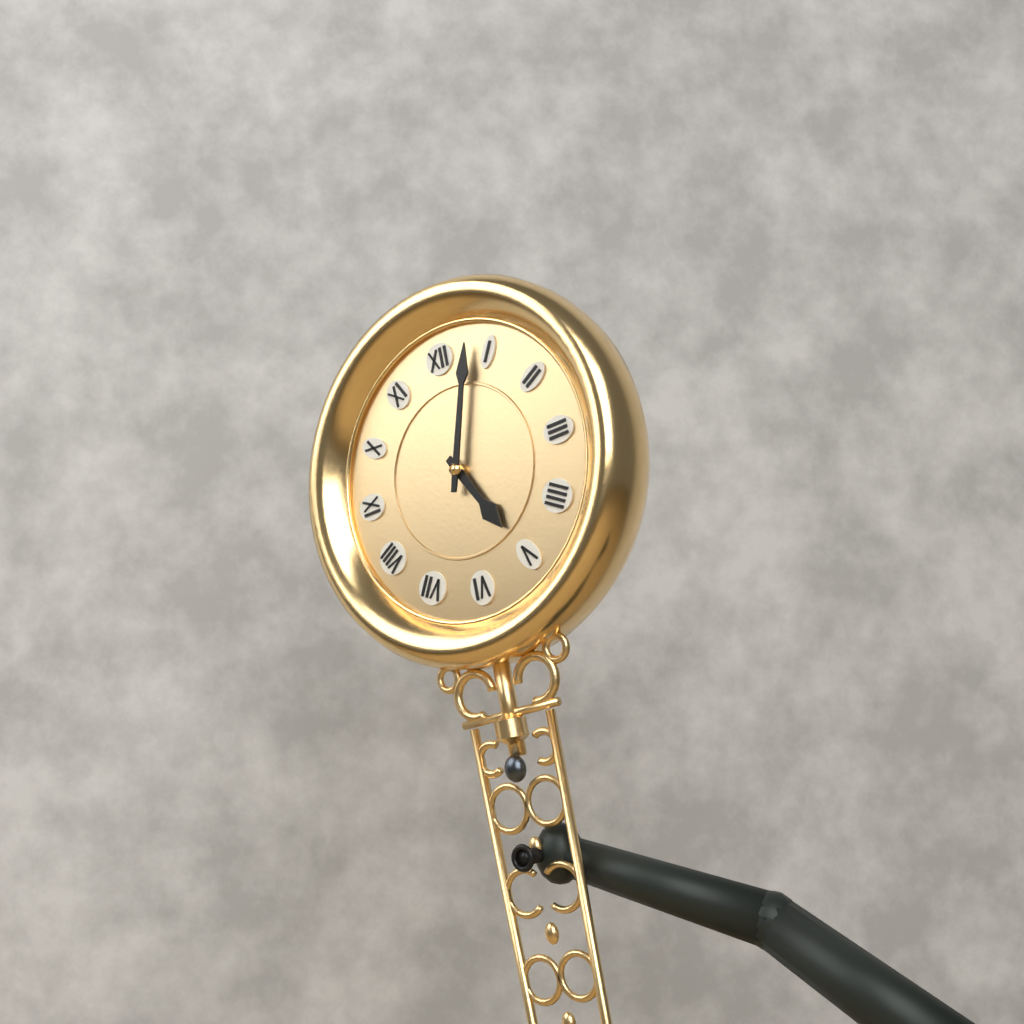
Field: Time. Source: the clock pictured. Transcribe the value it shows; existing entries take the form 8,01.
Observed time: 5,03
